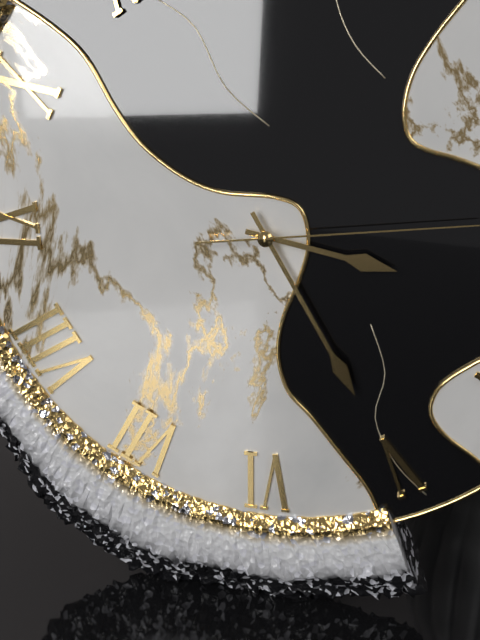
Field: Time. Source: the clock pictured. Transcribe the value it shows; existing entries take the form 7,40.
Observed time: 3,25
